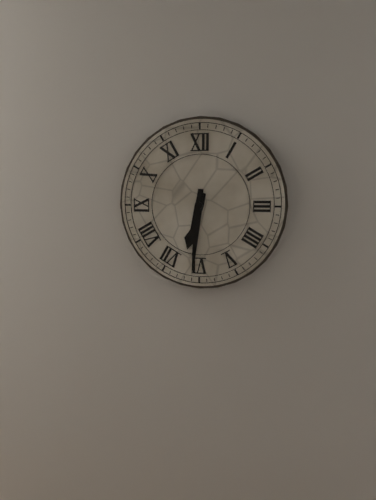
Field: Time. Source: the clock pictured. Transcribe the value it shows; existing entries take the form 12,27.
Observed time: 6,31
